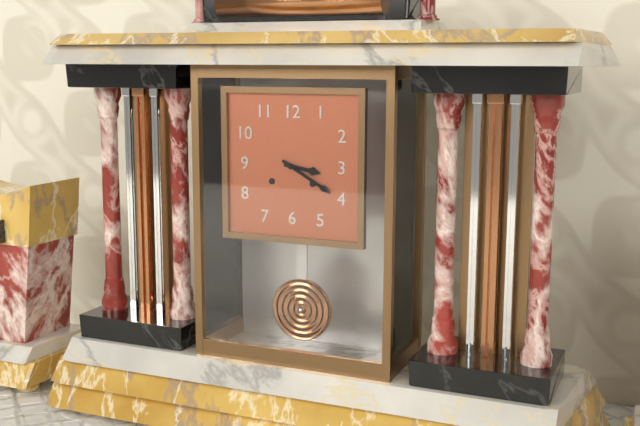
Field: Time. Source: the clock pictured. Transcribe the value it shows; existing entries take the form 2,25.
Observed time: 3,20
